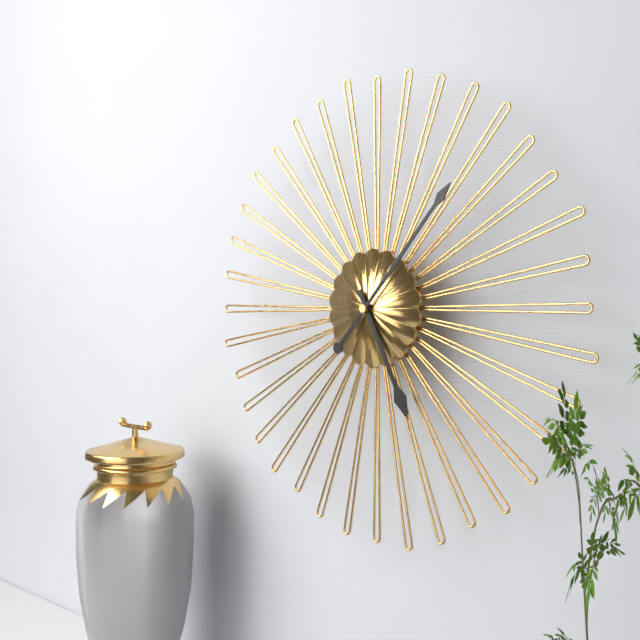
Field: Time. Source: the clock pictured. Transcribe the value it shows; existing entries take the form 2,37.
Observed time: 5,07
